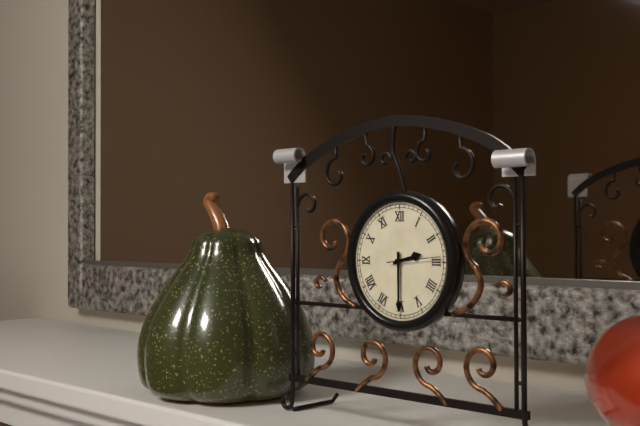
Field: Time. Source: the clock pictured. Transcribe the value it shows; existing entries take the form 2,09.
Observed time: 2,30
